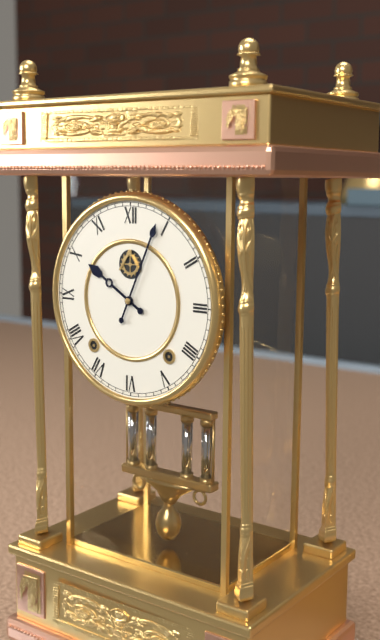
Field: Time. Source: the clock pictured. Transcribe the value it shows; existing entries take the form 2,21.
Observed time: 10,04
